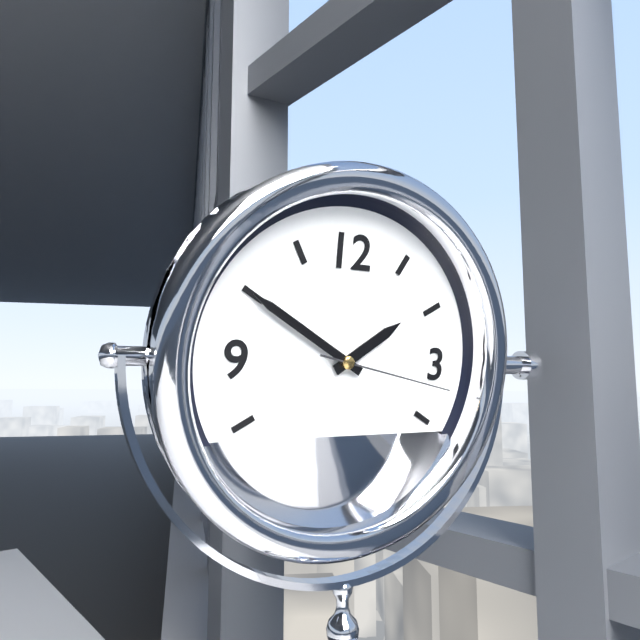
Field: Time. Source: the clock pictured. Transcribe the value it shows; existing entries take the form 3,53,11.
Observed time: 1,50,17
